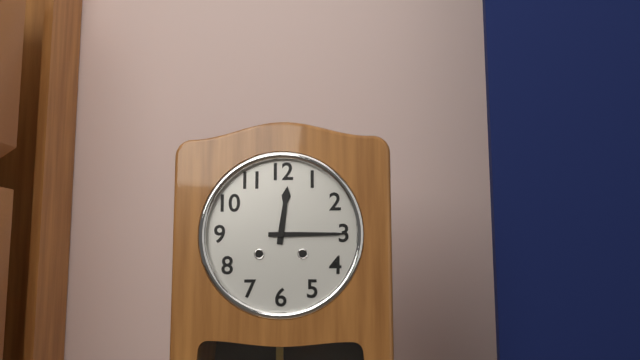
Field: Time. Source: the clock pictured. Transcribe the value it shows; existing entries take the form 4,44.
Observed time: 12,15
